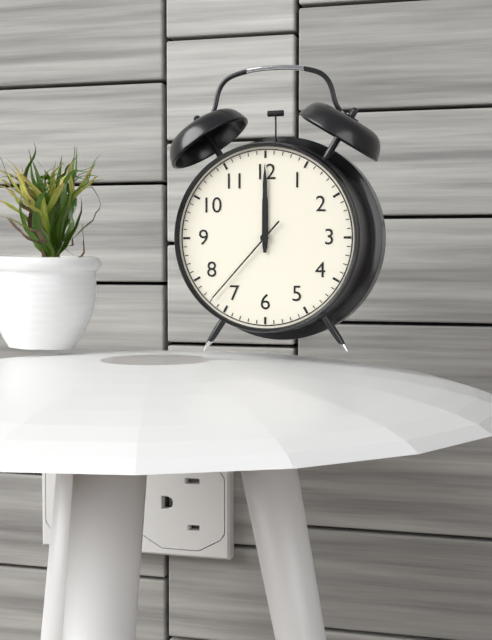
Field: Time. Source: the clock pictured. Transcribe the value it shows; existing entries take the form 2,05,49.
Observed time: 12,00,37
